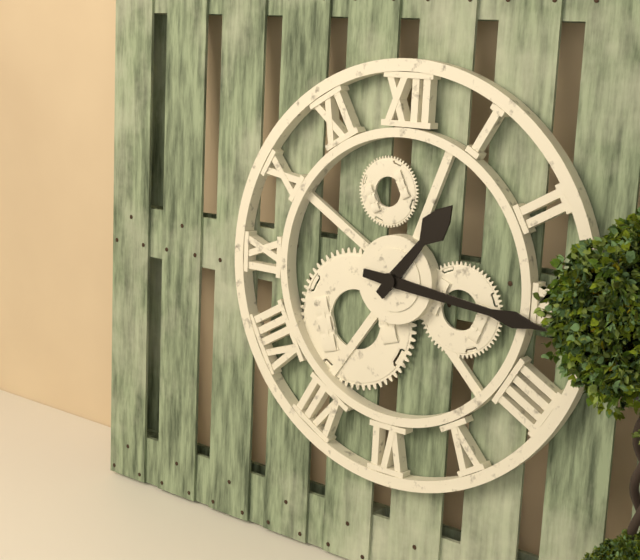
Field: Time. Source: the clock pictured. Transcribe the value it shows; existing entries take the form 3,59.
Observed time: 1,16
